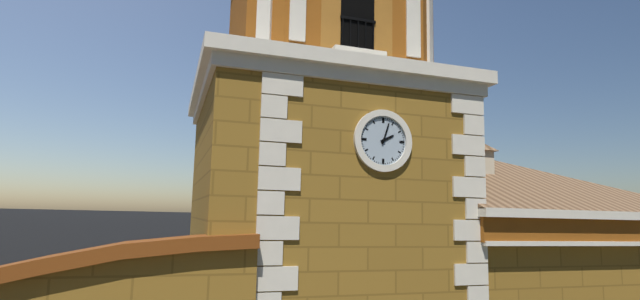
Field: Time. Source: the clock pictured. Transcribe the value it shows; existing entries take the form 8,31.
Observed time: 2,03
